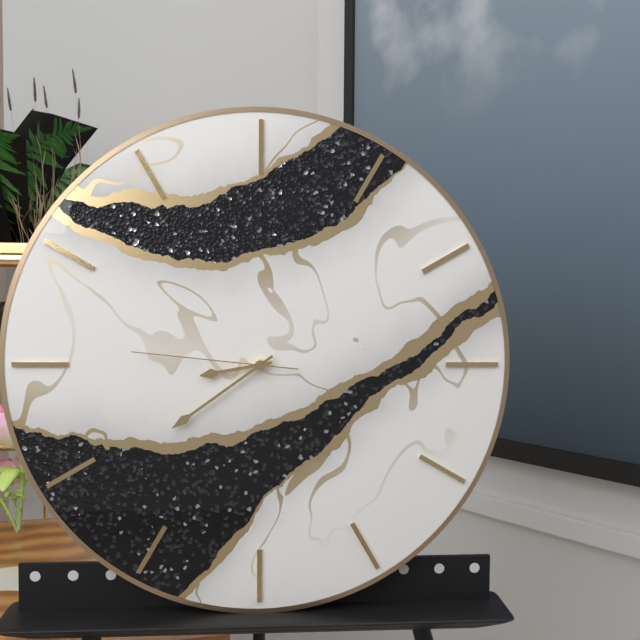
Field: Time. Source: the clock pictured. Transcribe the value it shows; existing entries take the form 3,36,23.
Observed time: 8,39,46
